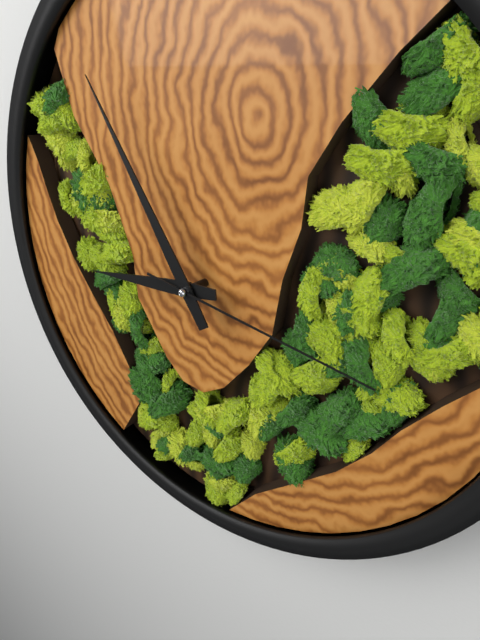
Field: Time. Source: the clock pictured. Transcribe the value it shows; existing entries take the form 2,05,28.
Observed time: 8,55,17
